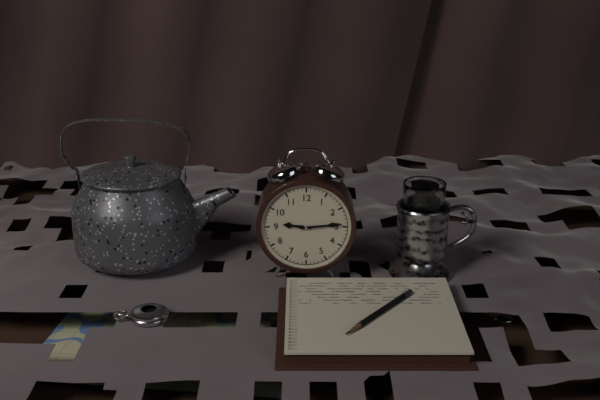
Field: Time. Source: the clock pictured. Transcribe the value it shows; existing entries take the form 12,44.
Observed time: 9,14
